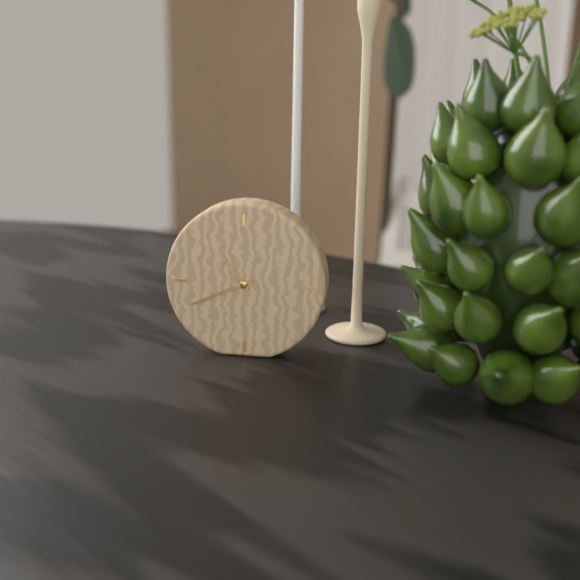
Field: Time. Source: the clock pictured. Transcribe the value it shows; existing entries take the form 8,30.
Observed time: 10,41
